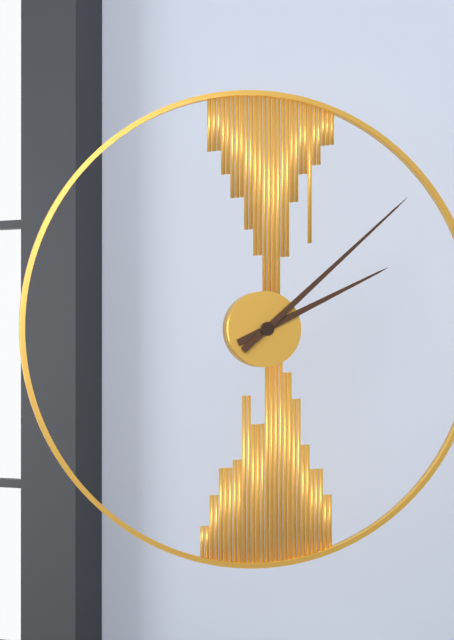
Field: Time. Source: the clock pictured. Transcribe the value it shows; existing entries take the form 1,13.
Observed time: 2,08
